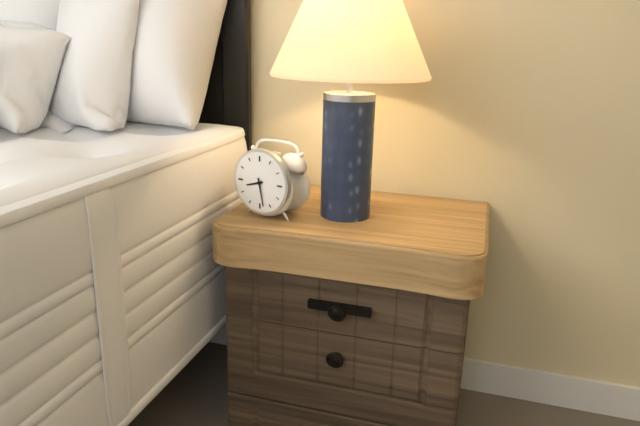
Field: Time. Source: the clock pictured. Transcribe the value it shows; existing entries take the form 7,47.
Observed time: 8,28
